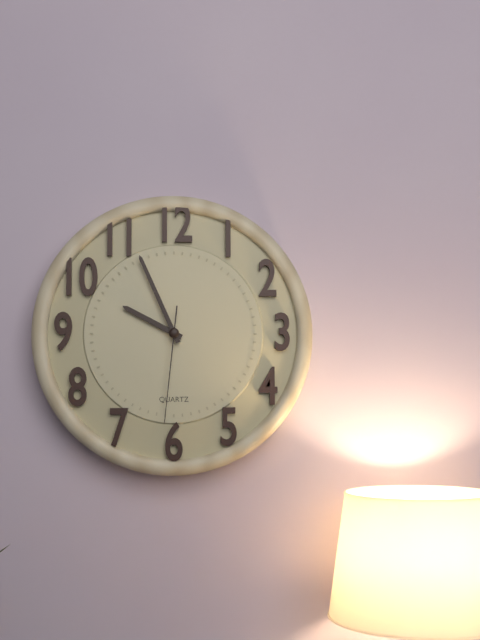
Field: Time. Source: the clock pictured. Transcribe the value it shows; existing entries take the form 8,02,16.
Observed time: 9,56,31
